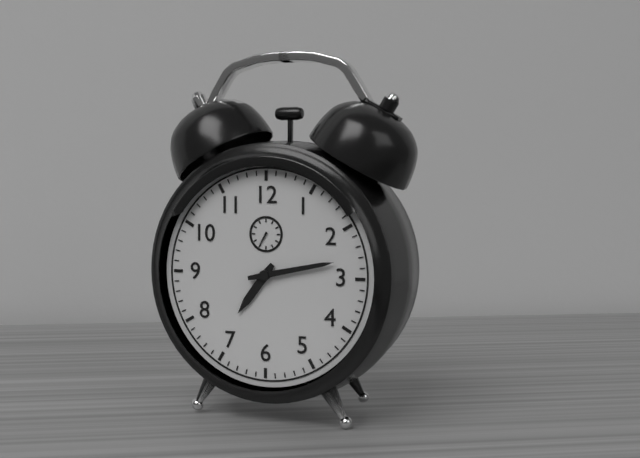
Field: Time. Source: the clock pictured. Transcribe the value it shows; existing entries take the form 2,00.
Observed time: 7,13
